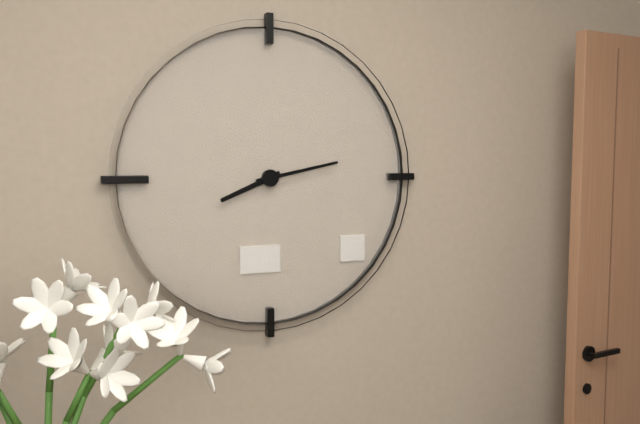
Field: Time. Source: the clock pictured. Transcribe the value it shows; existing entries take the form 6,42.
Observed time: 8,13
